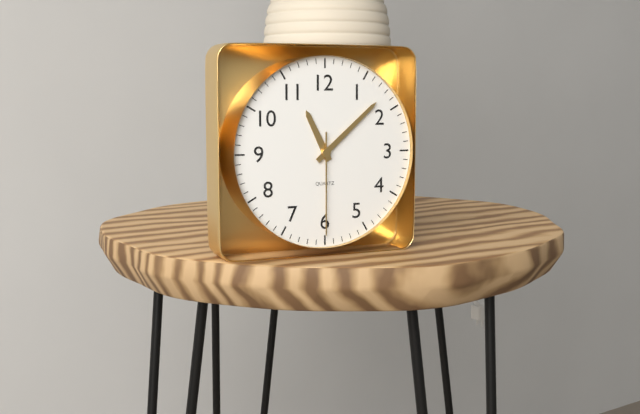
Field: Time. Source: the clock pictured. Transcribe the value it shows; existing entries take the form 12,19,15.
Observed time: 11,08,30
